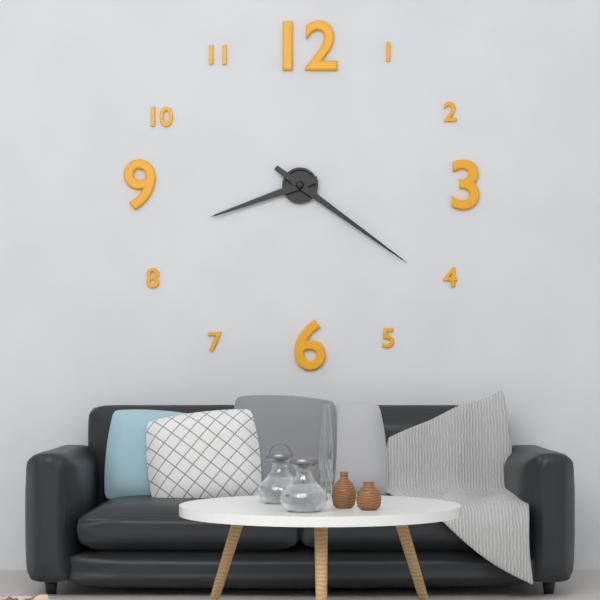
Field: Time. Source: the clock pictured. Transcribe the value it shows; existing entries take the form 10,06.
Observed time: 8,21
